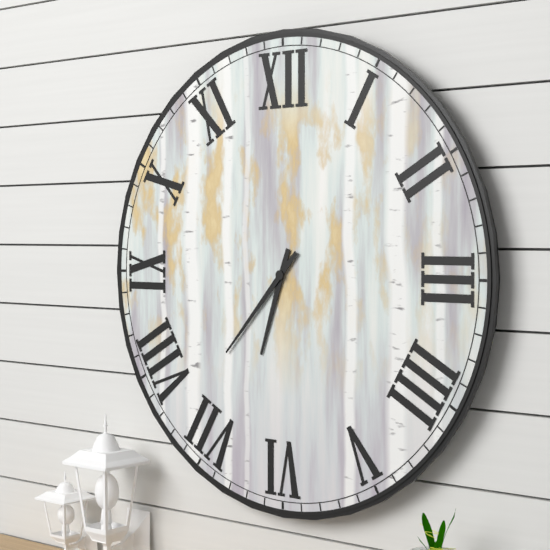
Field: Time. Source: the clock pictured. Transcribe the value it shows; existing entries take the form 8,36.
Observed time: 6,37
